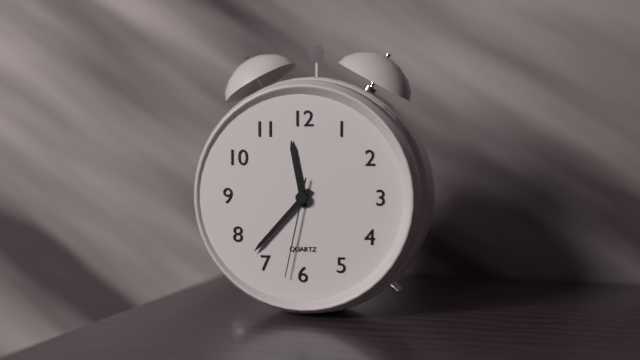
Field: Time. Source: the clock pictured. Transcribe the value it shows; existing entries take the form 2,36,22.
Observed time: 11,37,32
